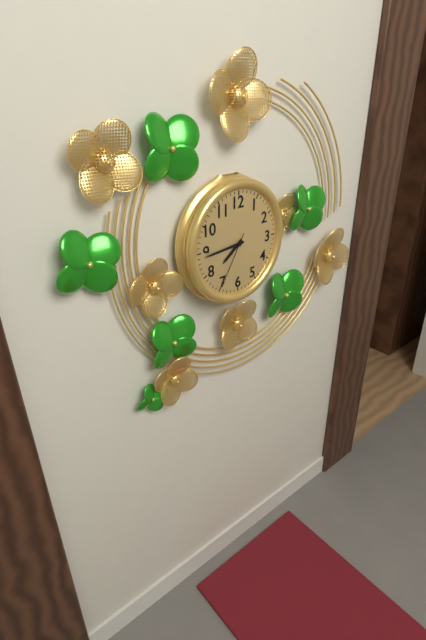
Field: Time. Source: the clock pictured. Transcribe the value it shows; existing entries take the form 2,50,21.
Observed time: 7,44,35
